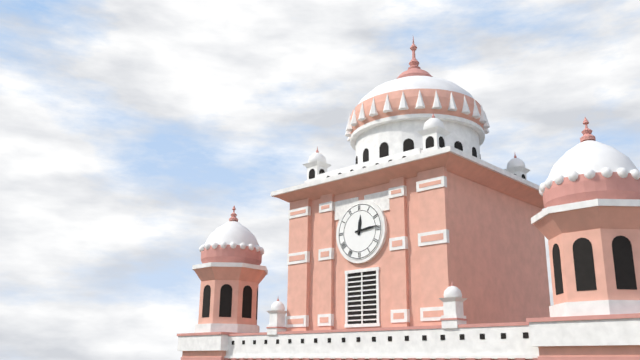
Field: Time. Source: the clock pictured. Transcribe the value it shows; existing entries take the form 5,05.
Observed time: 12,14
